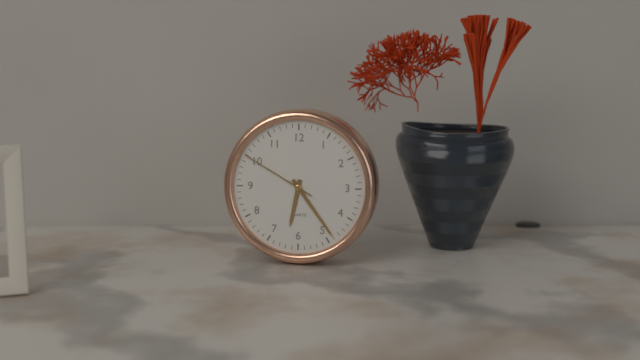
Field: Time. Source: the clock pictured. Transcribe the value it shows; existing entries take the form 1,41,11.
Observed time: 6,24,50
